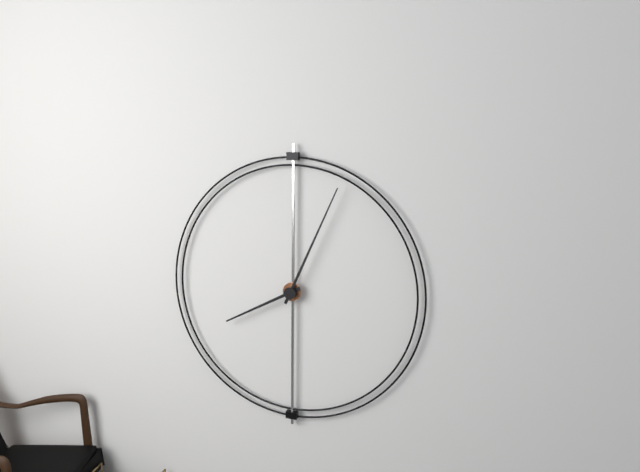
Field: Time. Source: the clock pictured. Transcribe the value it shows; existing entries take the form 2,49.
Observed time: 8,04
